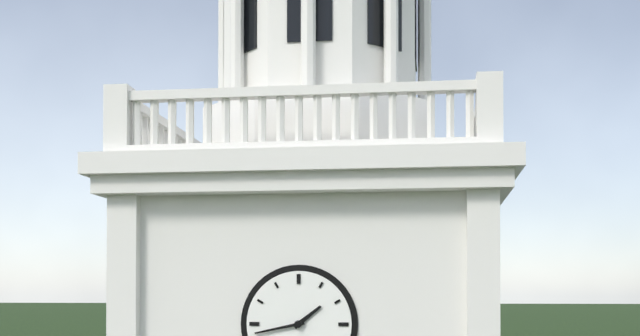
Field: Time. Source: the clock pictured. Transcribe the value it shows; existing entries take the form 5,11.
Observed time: 1,43
